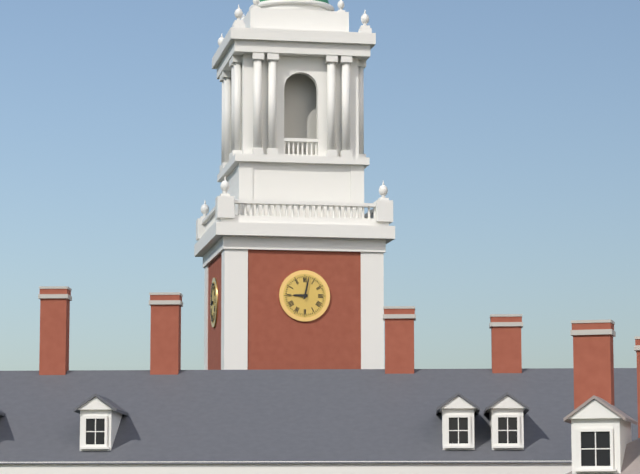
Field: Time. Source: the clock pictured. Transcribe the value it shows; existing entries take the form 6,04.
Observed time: 9,02
